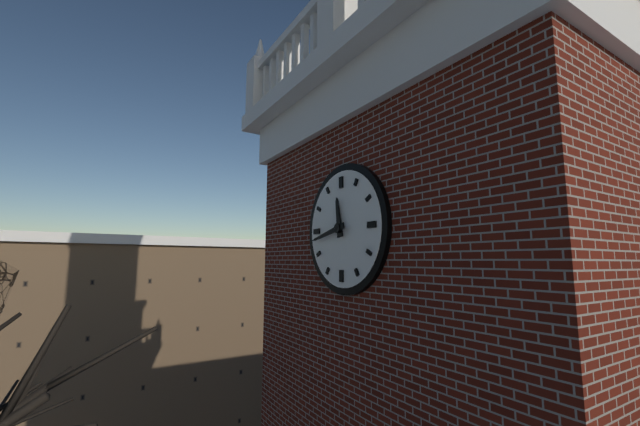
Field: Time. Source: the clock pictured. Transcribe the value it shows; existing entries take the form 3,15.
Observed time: 11,43
